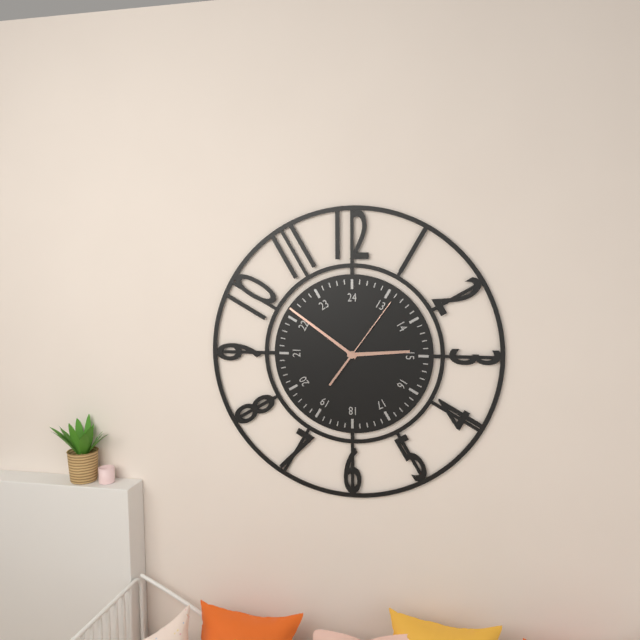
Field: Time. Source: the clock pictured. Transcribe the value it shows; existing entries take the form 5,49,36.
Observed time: 2,51,06
